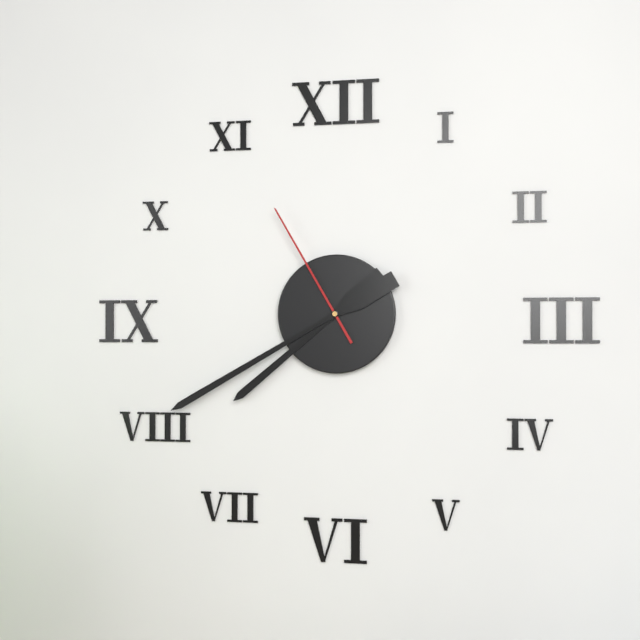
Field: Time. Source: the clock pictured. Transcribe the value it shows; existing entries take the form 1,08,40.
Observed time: 7,40,55
